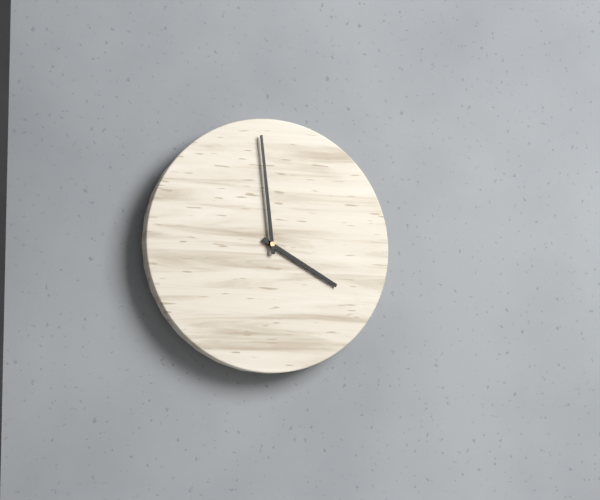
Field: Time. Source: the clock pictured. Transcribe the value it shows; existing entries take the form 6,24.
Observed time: 3,59
